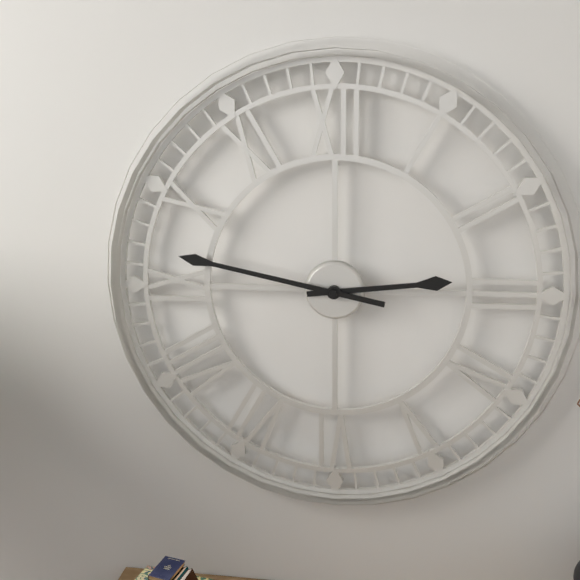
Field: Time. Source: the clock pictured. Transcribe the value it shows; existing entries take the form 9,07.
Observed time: 2,47
